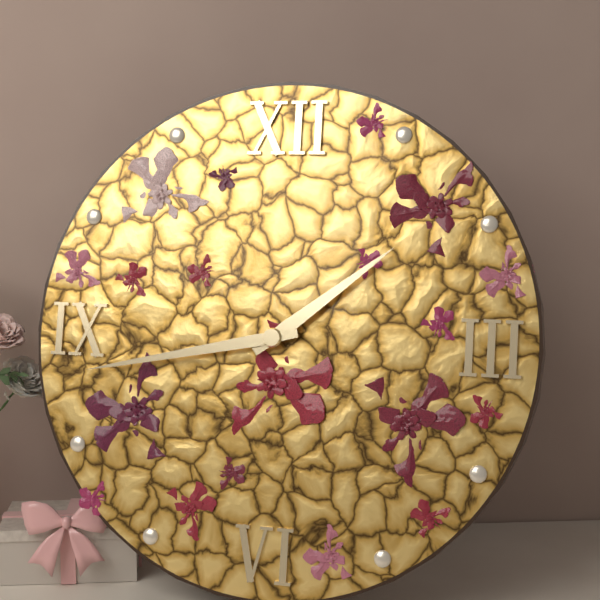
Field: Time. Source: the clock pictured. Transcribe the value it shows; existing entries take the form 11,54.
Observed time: 1,43
